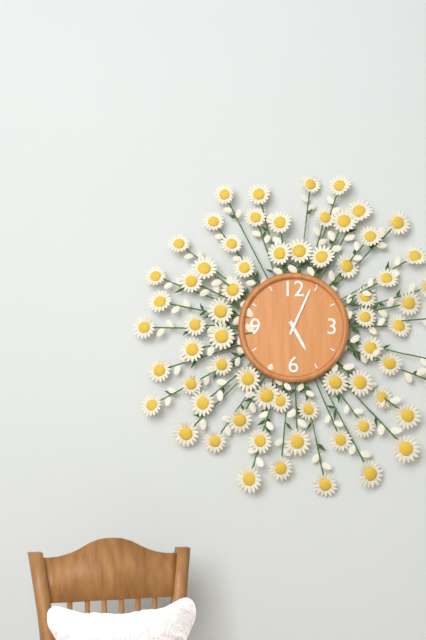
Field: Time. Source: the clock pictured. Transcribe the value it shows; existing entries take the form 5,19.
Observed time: 5,04
